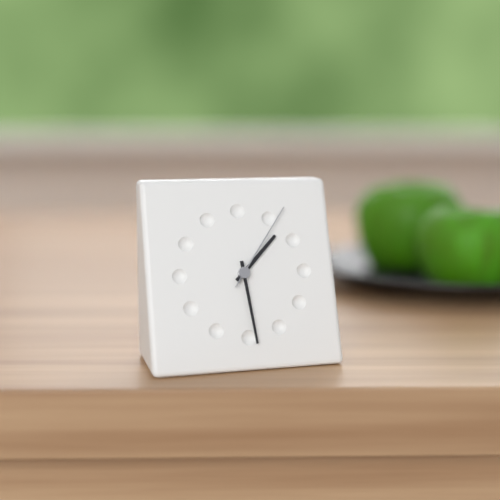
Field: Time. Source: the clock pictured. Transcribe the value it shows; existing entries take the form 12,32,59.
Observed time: 1,29,06
